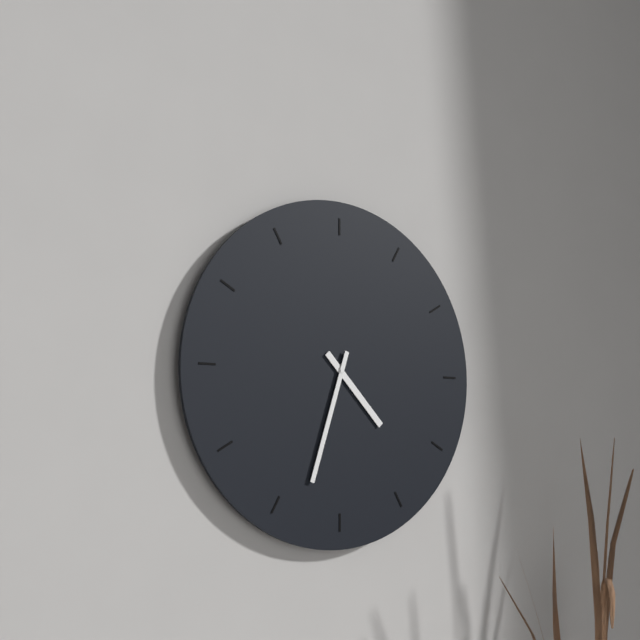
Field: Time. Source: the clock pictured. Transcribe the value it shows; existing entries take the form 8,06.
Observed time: 4,33
